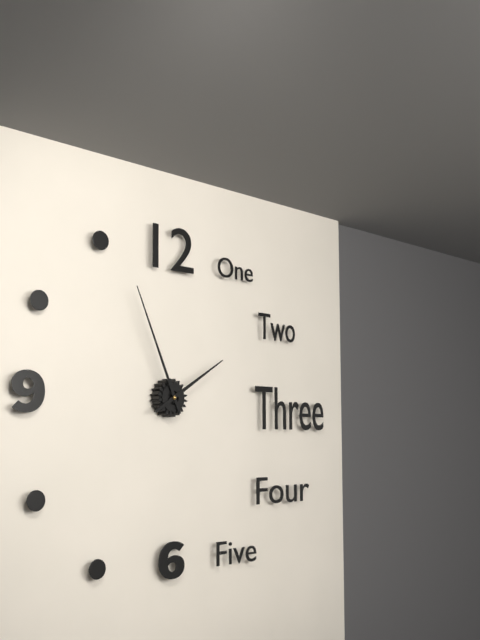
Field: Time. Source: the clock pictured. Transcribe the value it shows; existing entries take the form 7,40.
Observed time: 1,56
